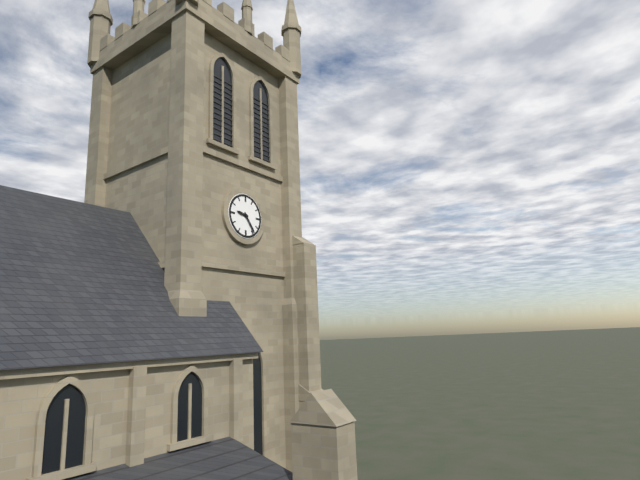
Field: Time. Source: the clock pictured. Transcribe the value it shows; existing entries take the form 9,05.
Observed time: 9,24
